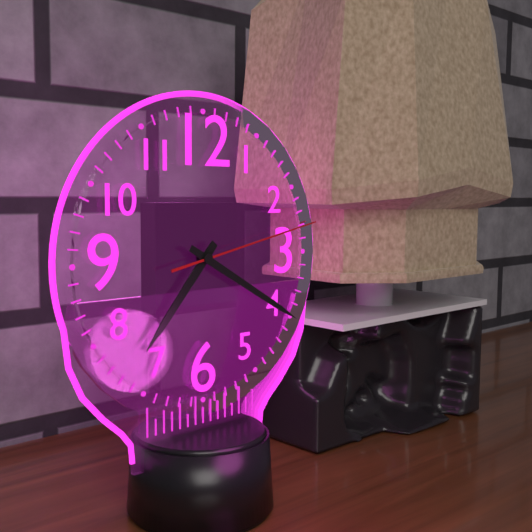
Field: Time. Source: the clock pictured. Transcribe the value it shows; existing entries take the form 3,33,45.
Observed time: 7,20,13
